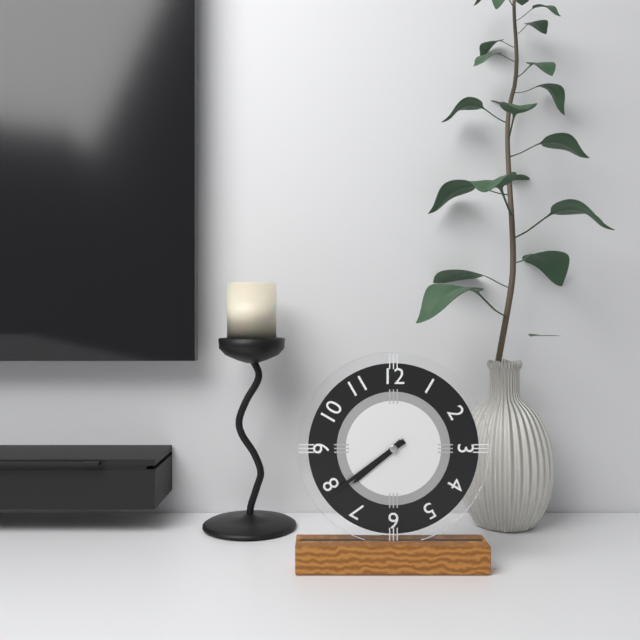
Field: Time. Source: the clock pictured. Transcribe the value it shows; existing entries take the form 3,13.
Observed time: 7,39
